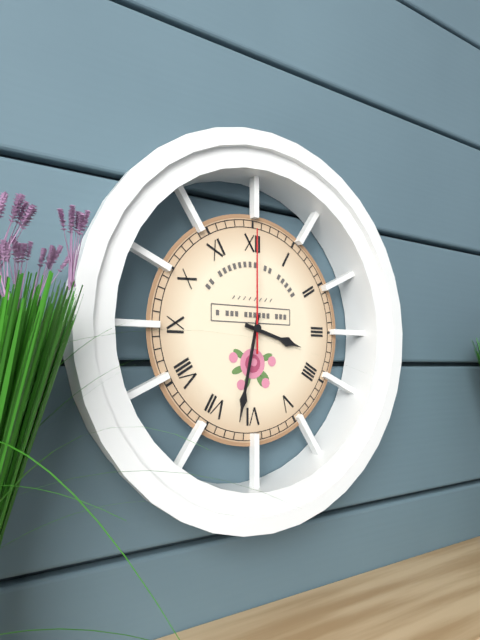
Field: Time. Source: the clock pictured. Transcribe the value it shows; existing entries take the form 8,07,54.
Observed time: 3,32,00
